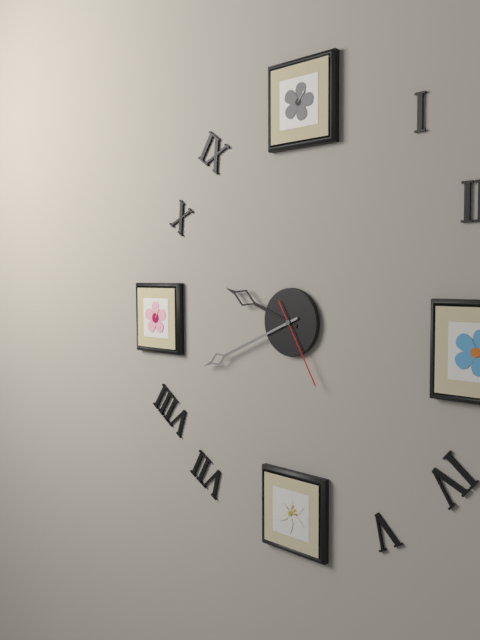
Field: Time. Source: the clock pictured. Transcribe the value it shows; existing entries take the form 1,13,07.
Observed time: 9,41,25
